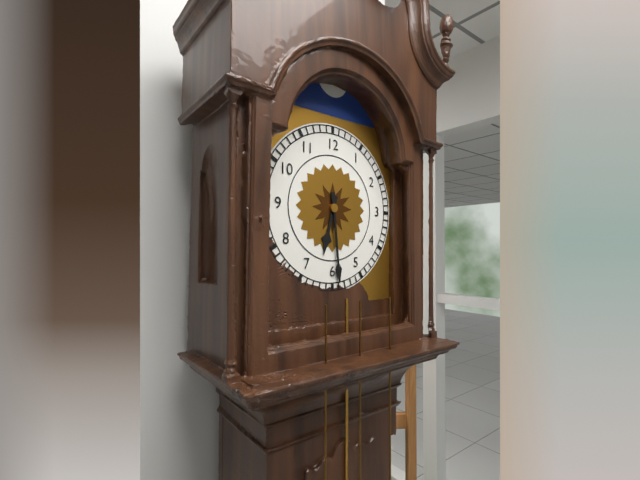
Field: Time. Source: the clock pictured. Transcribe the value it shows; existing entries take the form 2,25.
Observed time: 6,29
